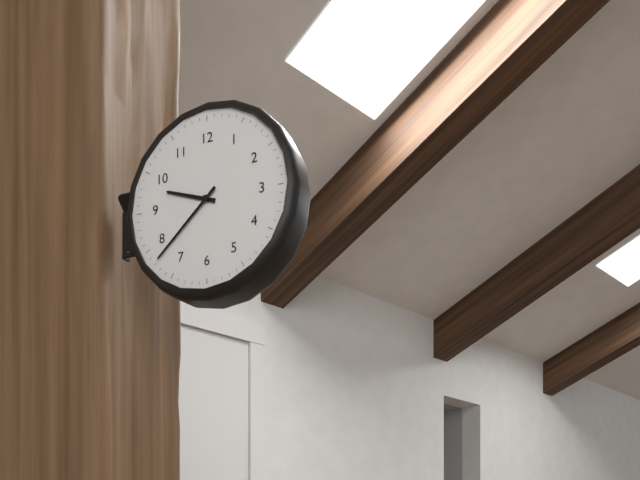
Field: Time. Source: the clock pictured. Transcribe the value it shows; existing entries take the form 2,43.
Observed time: 9,38
